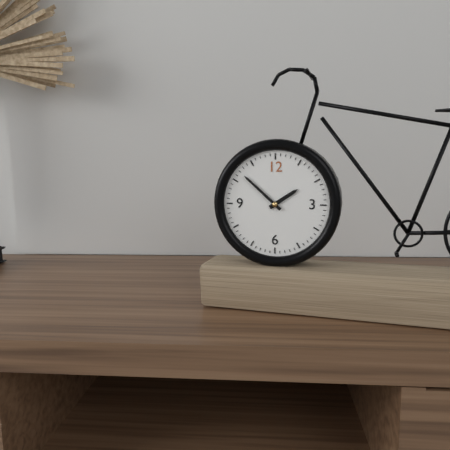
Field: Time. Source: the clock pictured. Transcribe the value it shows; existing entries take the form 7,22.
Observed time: 1,52
